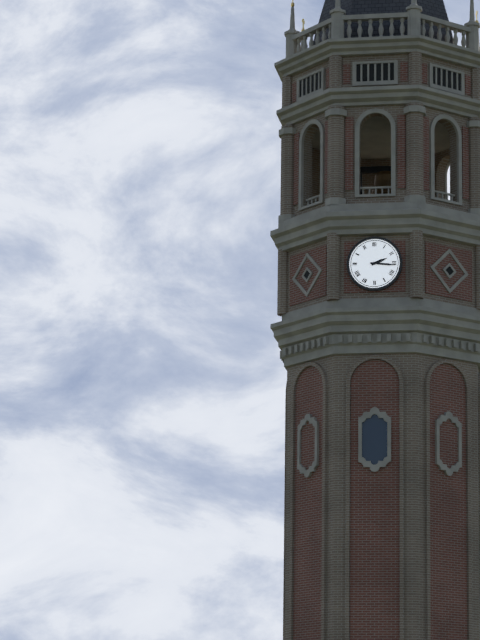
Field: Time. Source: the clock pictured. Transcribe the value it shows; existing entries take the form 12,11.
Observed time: 2,16
